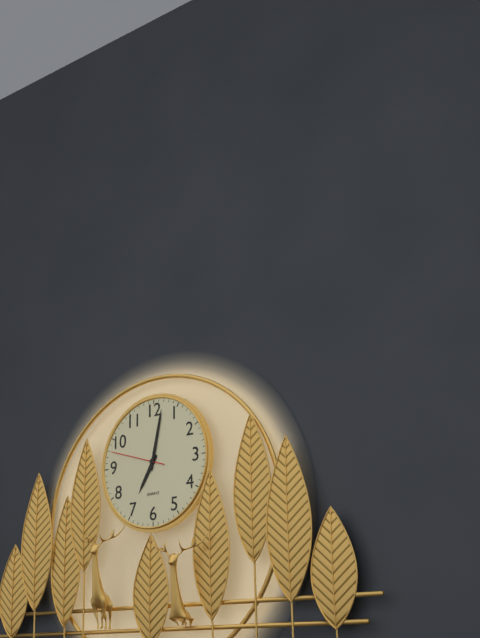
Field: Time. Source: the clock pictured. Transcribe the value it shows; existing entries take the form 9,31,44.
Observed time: 7,02,48
